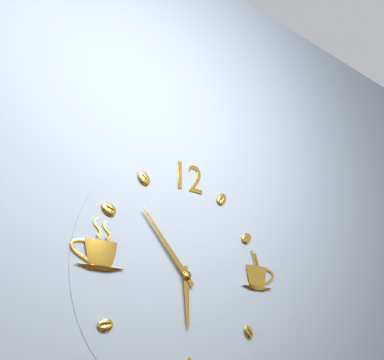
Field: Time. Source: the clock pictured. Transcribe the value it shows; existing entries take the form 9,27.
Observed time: 5,53
